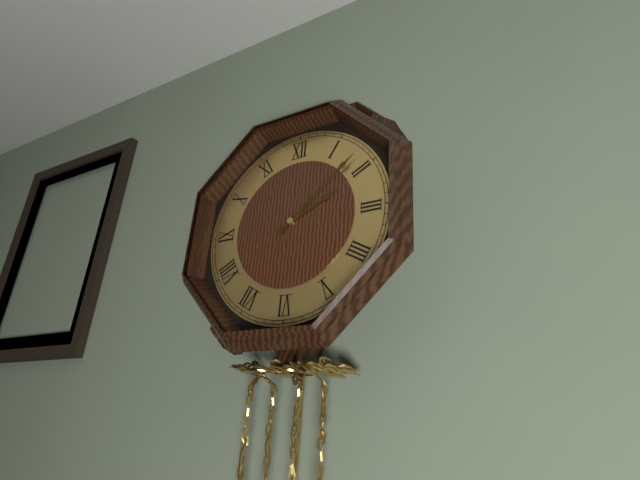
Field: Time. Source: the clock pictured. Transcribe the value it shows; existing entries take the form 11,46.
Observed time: 2,08
